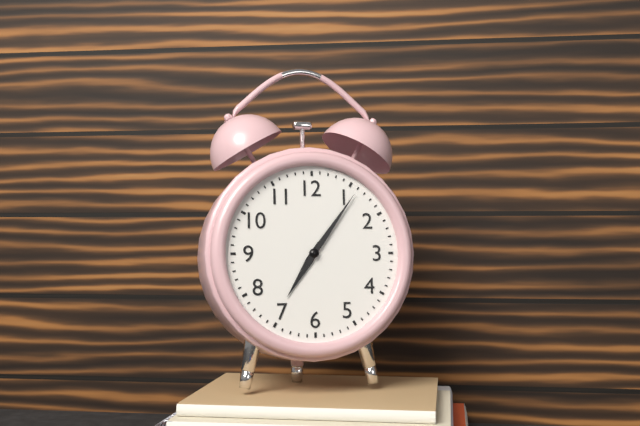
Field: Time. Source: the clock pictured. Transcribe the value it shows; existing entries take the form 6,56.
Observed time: 7,06
